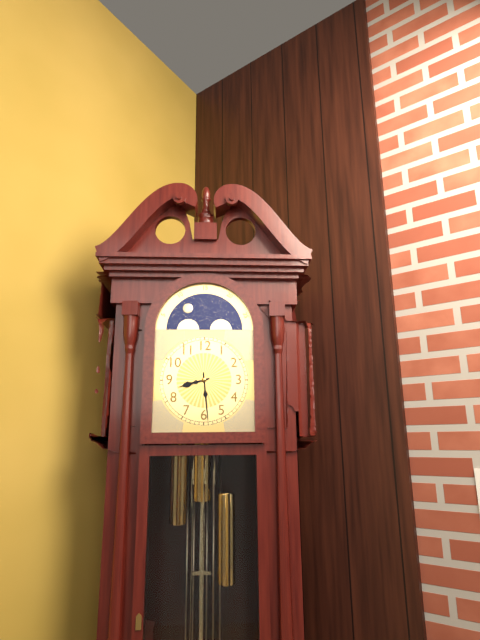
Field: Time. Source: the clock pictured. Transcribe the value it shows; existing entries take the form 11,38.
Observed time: 8,29
